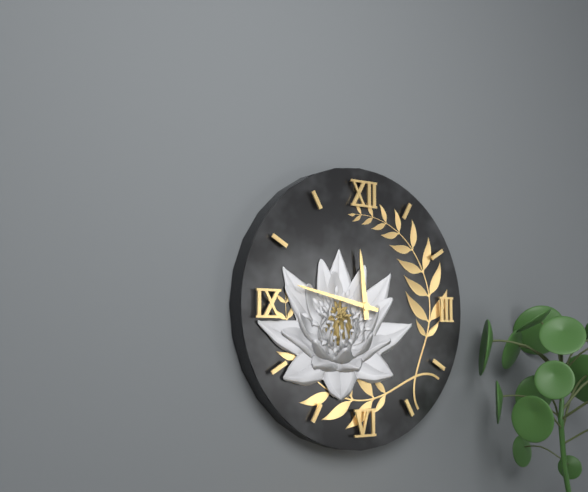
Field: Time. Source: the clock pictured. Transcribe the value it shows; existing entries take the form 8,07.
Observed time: 11,47
